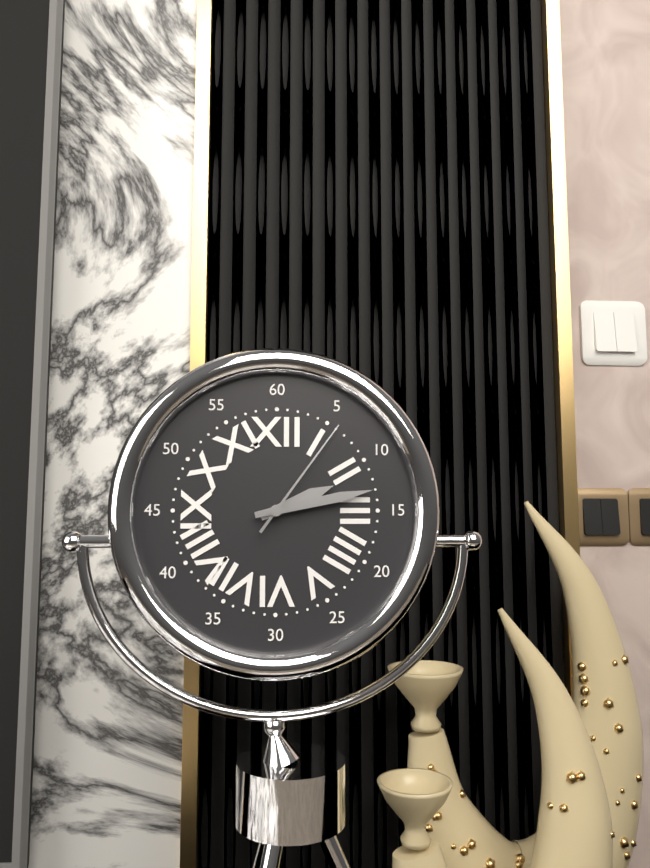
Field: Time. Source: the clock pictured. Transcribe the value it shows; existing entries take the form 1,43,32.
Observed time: 2,13,06
